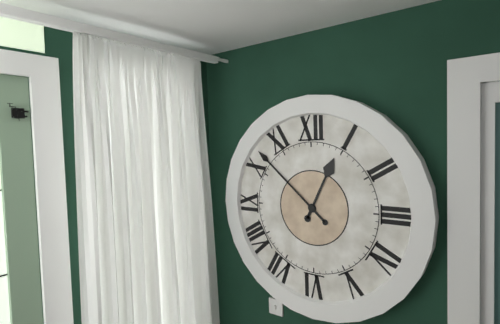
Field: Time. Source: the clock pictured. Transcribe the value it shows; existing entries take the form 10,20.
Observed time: 12,52
